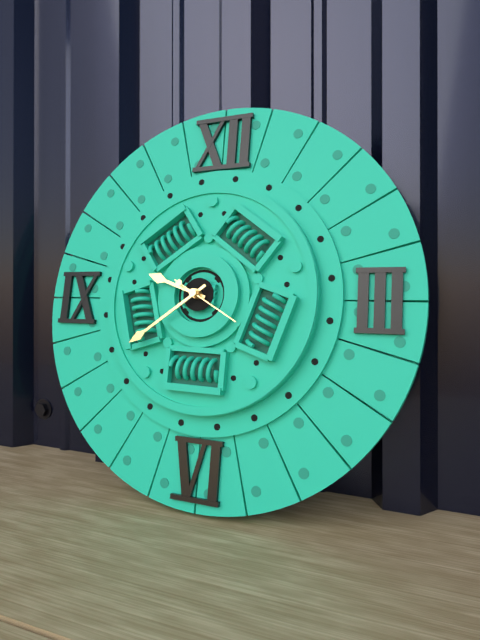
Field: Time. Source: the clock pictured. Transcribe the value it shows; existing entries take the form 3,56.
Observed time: 9,39
